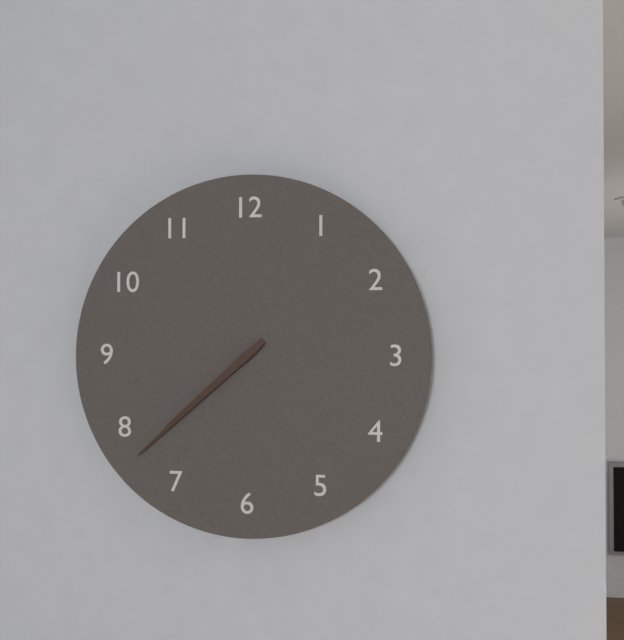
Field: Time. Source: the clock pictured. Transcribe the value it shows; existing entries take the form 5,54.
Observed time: 7,38
